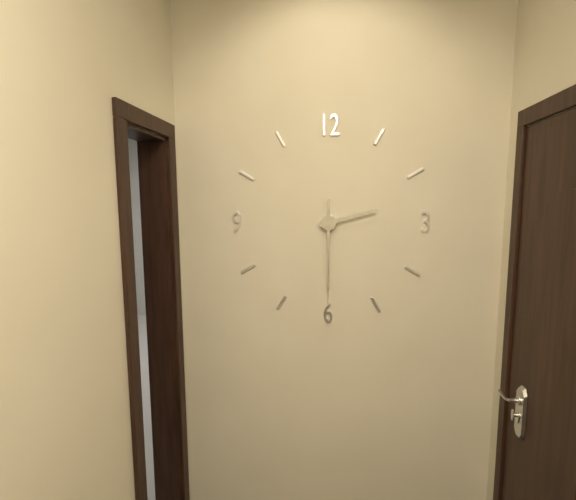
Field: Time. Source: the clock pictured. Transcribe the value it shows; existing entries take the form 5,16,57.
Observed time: 2,30,30
